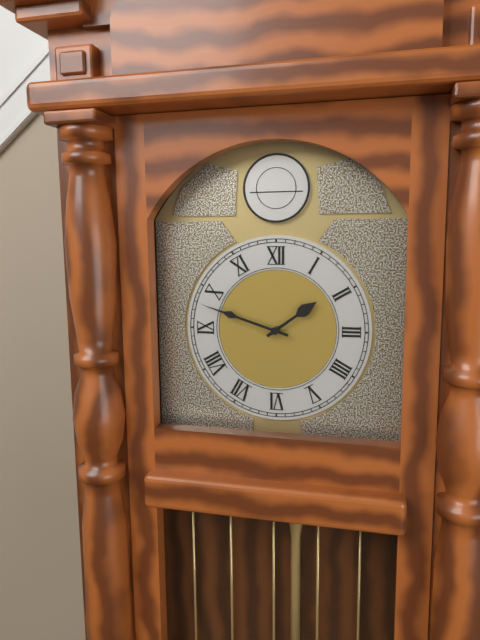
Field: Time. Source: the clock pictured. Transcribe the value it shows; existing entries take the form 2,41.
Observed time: 1,48
